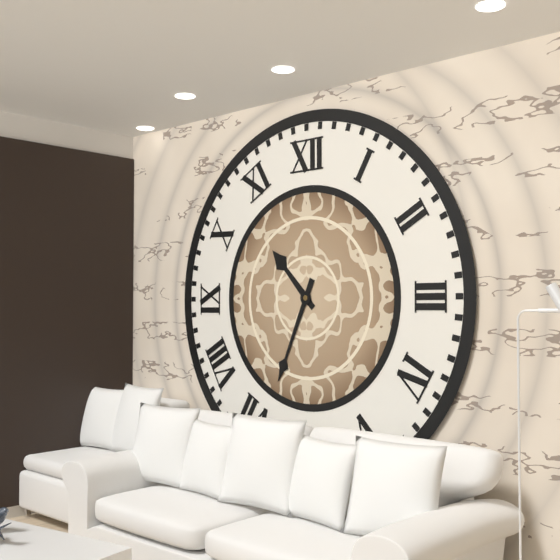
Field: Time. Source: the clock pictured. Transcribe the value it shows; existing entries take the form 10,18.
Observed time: 10,34
